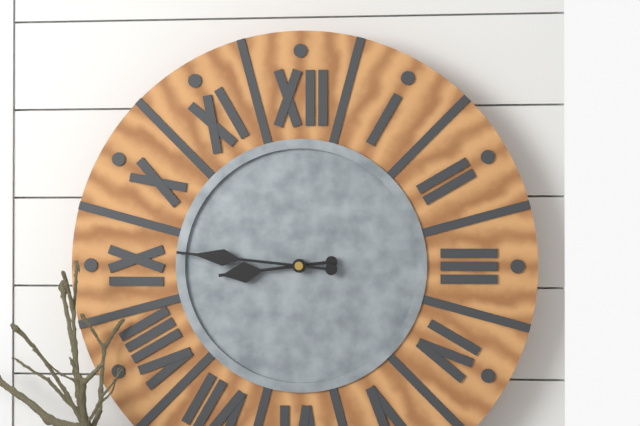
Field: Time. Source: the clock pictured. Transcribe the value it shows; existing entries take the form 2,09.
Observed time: 8,46
